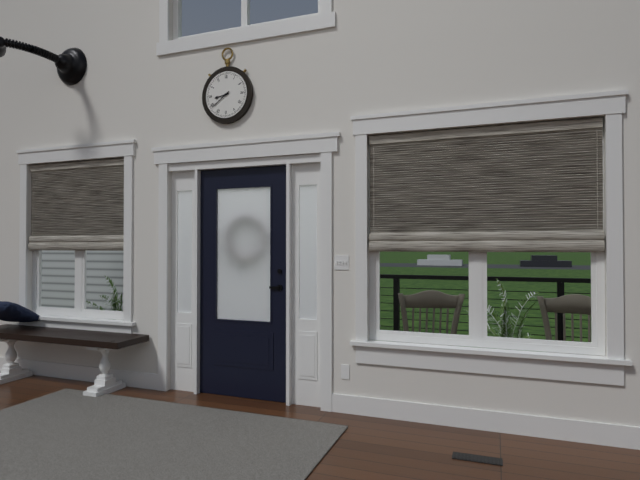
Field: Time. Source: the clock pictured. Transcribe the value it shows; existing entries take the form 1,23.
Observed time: 8,39
